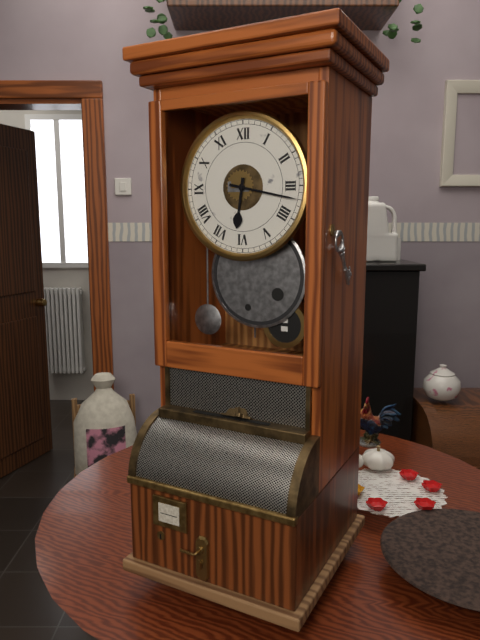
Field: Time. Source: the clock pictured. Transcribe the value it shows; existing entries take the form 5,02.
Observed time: 6,17
